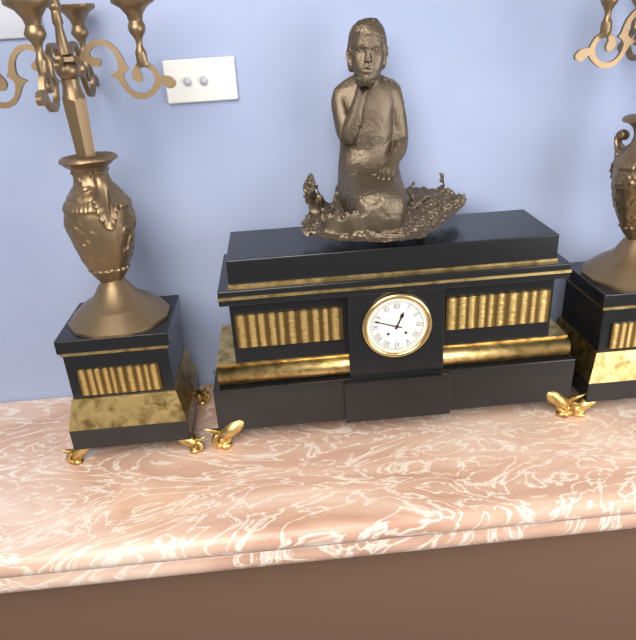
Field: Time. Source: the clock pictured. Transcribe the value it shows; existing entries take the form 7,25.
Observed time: 12,48
